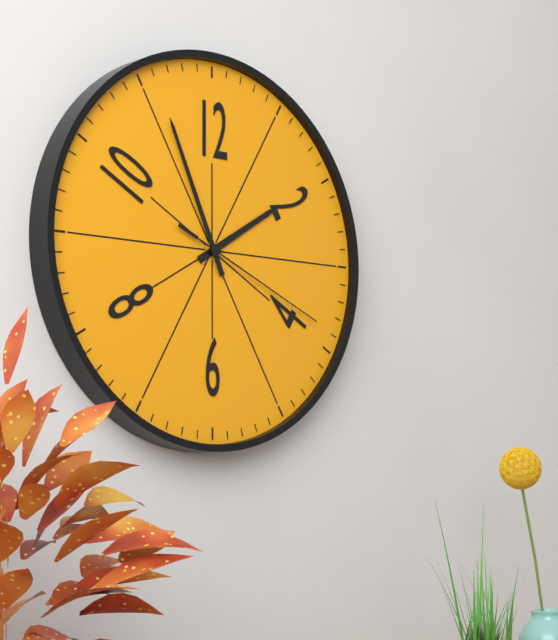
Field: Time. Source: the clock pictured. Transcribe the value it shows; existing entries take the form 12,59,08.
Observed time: 1,56,19
